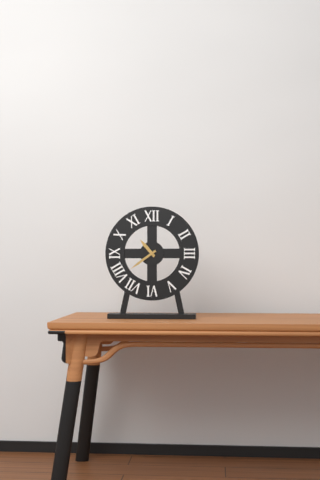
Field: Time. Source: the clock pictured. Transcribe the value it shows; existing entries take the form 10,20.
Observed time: 10,39
